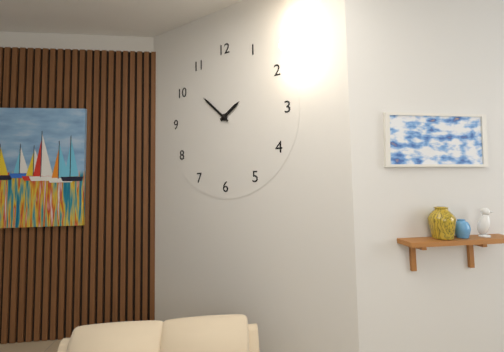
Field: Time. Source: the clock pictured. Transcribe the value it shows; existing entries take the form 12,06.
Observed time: 1,52
